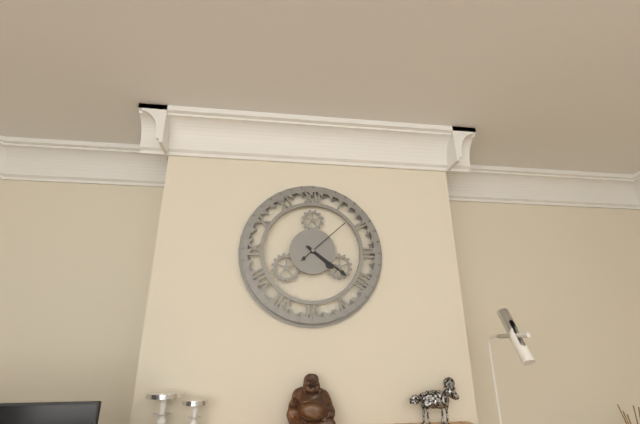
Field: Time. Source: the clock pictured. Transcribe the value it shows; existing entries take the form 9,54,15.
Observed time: 4,21,08
